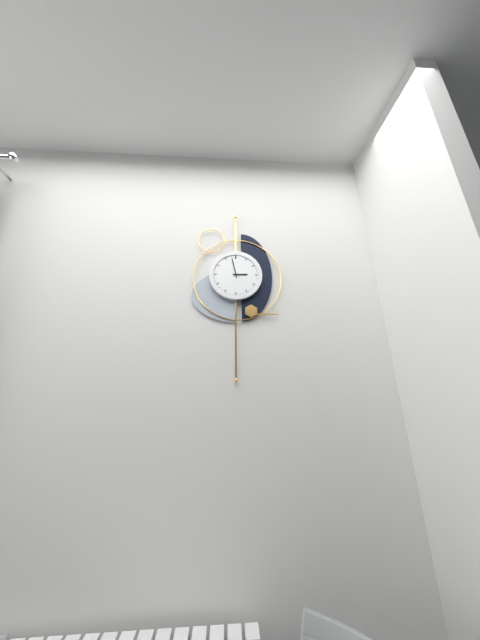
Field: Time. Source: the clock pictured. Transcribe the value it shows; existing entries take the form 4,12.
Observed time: 2,58
